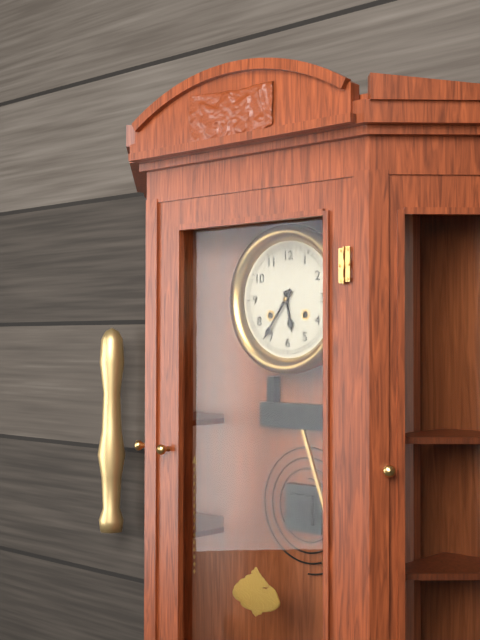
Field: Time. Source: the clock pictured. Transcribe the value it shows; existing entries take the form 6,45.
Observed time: 5,36
